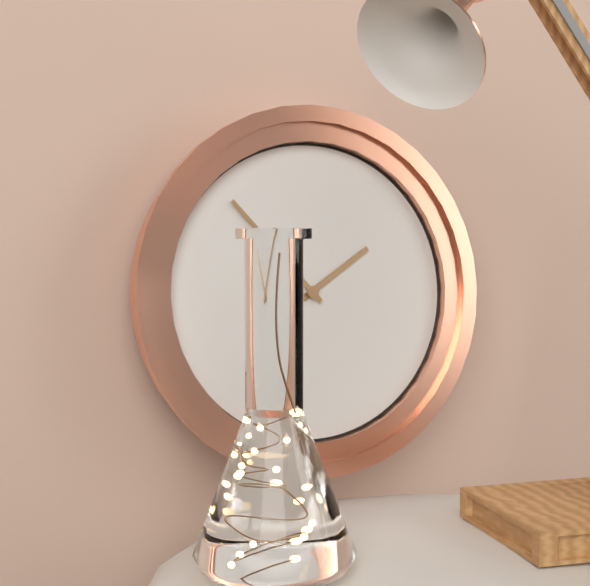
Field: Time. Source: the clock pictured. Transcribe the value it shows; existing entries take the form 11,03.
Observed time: 1,53
